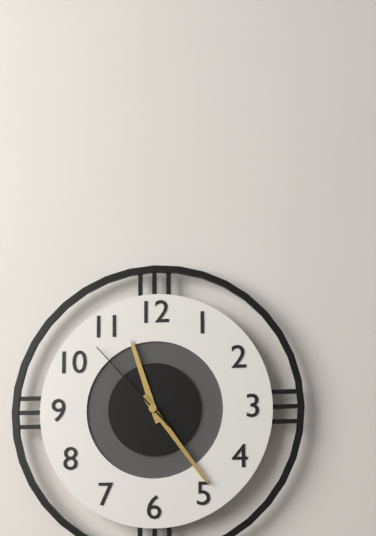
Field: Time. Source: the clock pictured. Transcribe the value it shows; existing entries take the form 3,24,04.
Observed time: 11,24,53
